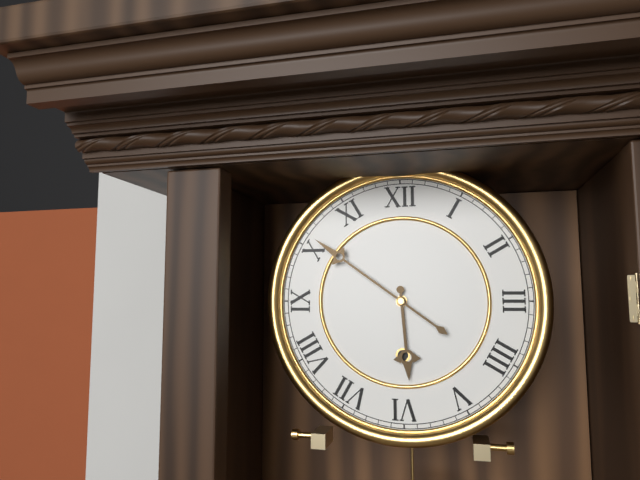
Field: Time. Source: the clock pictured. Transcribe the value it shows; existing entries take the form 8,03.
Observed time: 5,51
